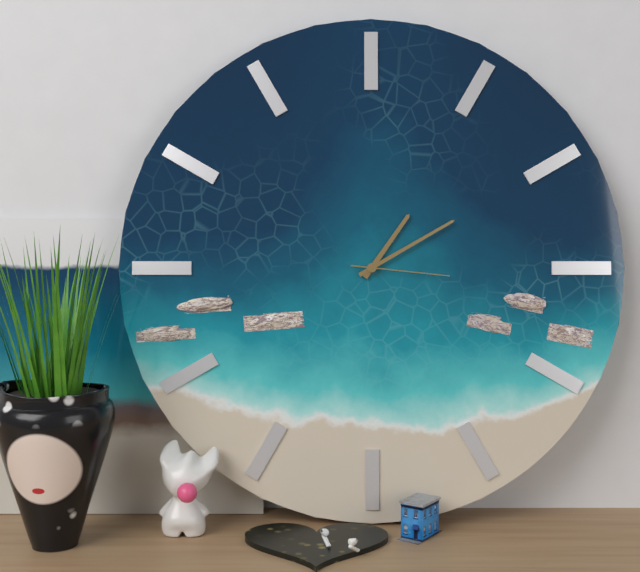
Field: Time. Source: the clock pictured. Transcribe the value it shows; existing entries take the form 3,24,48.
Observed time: 1,10,16
